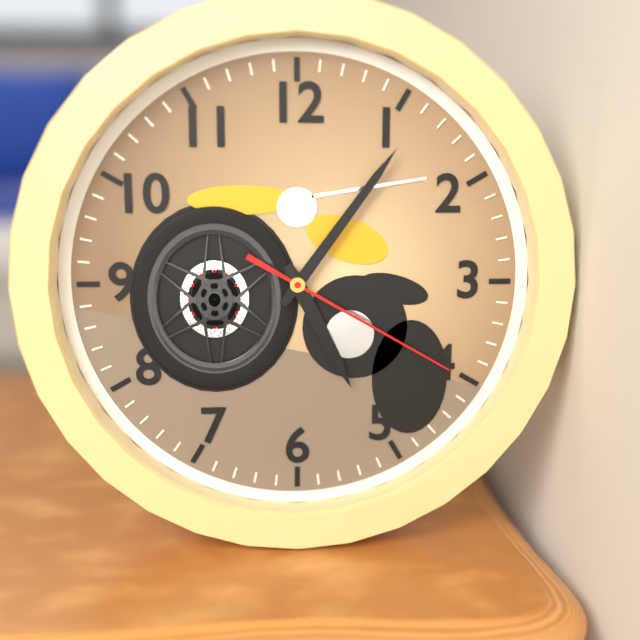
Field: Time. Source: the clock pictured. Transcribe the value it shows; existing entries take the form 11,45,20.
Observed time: 5,06,20
